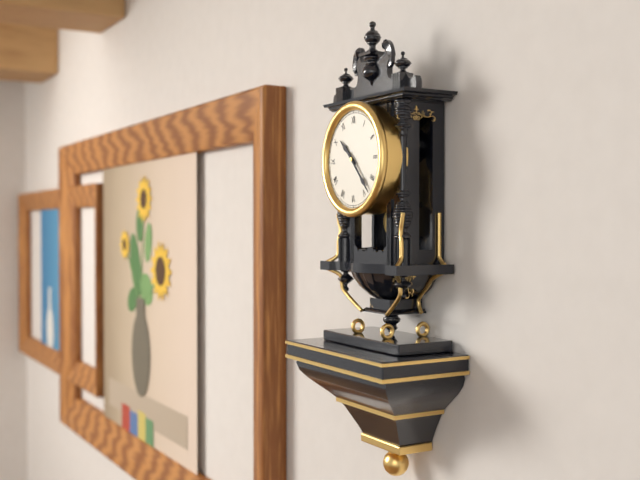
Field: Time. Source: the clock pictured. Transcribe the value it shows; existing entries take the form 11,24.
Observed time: 10,23
